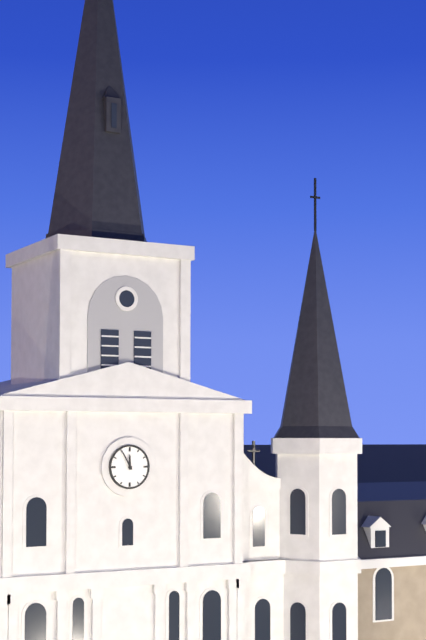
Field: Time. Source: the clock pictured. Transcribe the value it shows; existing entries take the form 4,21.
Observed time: 11,55
